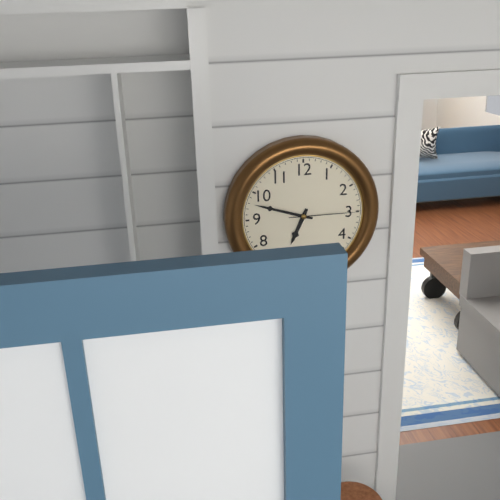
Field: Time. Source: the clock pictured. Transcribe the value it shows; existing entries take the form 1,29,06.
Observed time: 6,48,15
